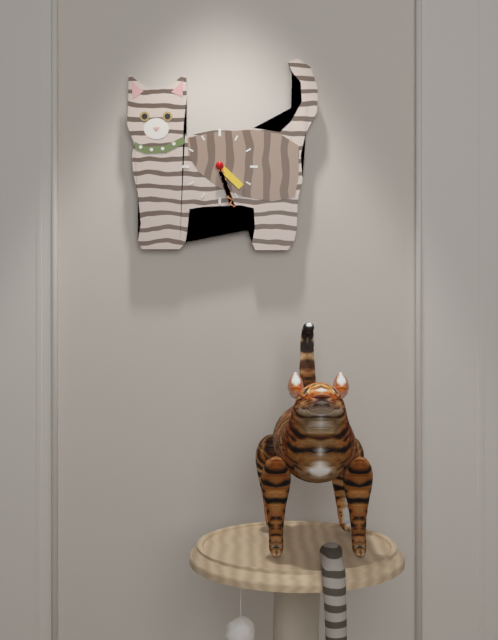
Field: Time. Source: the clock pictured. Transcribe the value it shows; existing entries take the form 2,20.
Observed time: 4,27
